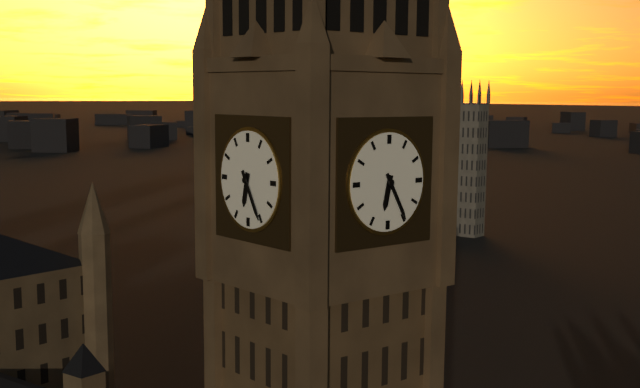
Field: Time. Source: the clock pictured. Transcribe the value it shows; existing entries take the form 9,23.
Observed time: 6,25
